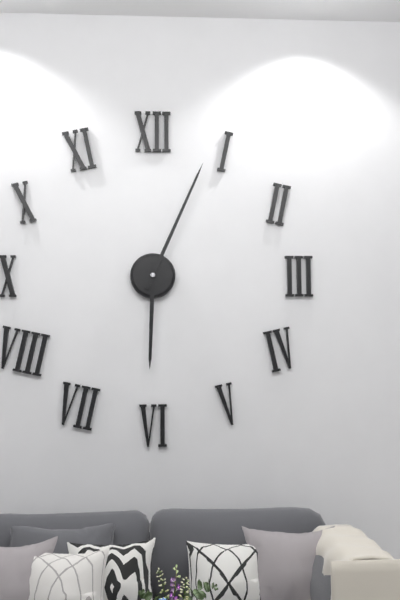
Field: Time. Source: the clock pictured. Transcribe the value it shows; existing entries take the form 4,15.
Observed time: 6,04
